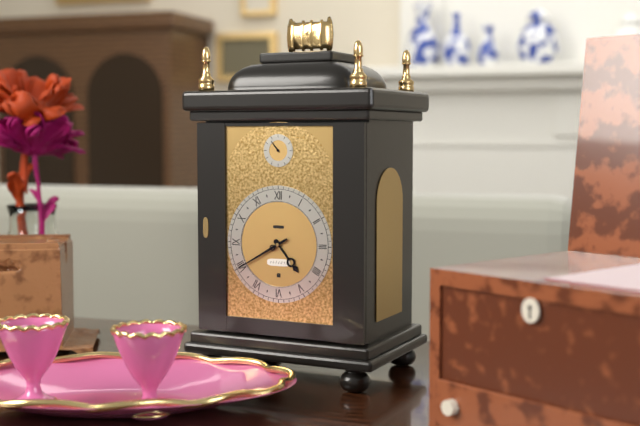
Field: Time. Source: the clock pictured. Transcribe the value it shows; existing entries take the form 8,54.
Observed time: 4,40
